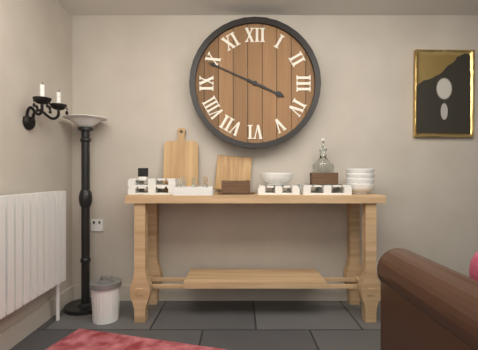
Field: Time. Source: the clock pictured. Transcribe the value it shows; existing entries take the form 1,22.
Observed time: 3,49
